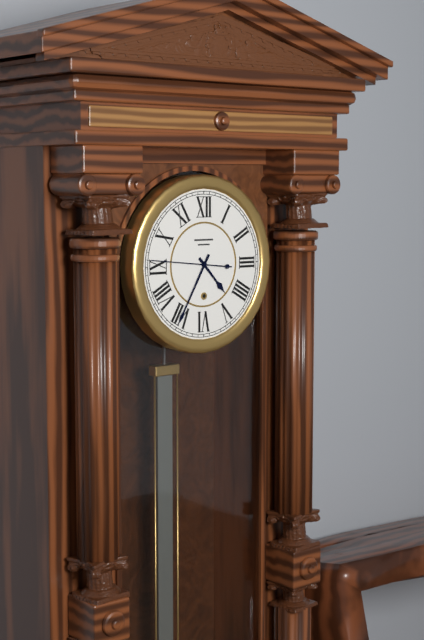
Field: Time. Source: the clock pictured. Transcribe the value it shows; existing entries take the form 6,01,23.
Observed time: 4,35,46
